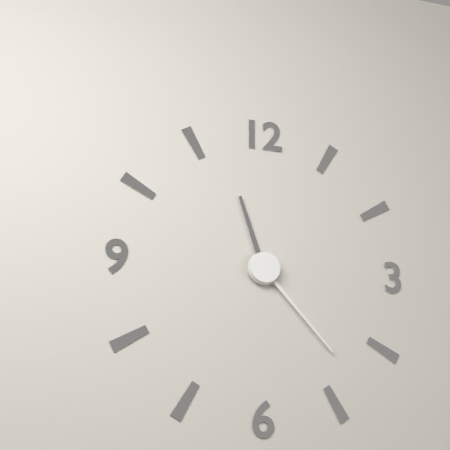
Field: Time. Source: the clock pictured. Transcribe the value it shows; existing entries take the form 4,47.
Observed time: 11,23
